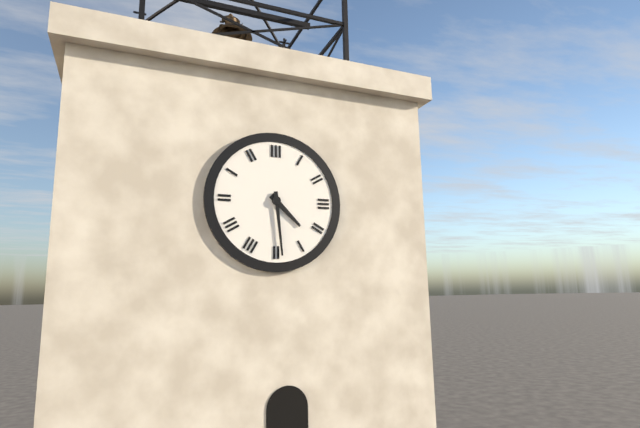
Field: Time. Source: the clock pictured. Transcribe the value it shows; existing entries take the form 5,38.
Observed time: 4,29
